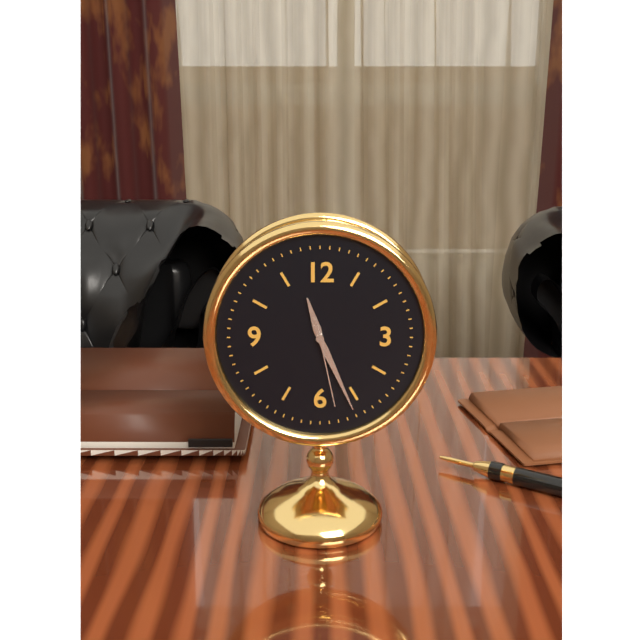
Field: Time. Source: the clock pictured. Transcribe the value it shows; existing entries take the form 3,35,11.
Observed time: 11,26,28
